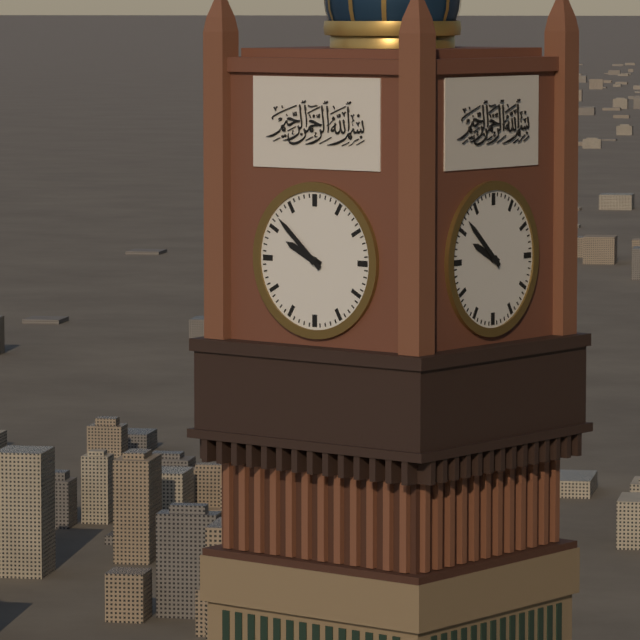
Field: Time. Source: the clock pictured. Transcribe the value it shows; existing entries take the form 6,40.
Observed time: 9,52
